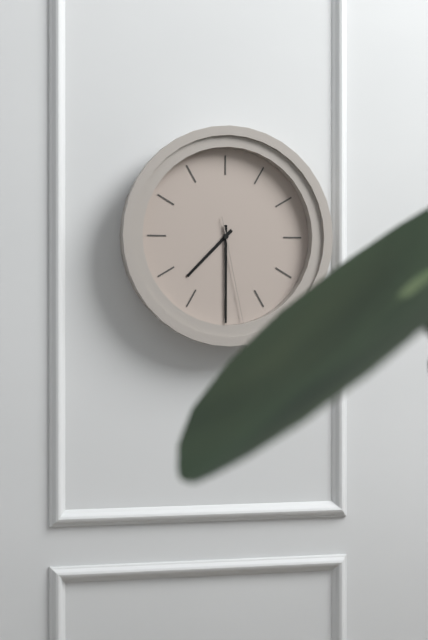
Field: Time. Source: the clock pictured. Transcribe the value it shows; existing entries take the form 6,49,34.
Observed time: 7,30,28
